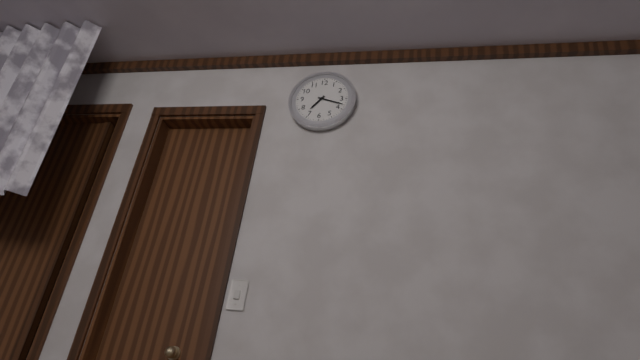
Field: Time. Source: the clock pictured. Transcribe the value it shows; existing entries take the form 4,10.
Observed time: 7,18
